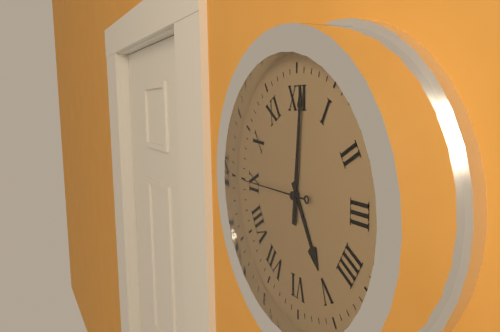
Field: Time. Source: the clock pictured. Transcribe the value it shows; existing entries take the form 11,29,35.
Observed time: 5,01,45
